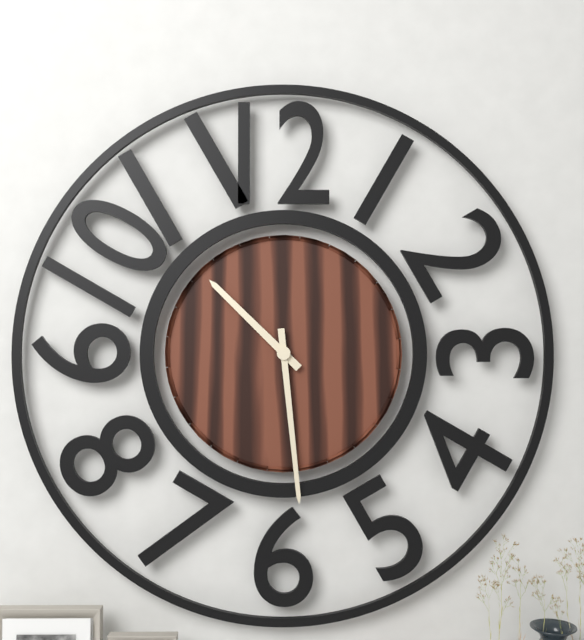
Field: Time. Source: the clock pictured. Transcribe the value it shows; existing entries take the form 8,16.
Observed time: 10,29
